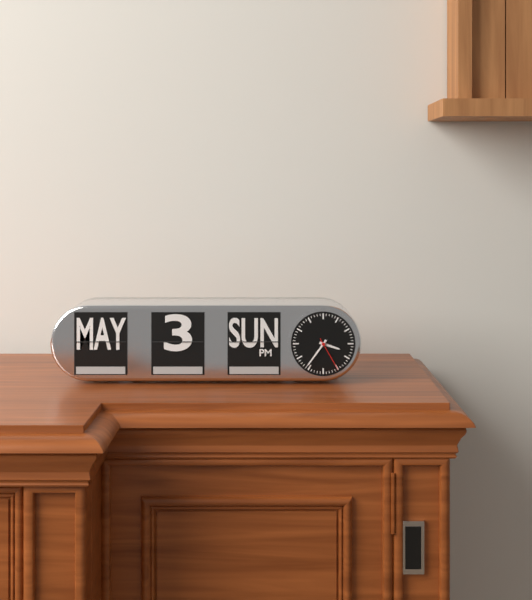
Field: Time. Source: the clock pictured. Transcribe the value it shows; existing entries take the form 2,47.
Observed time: 3,36
